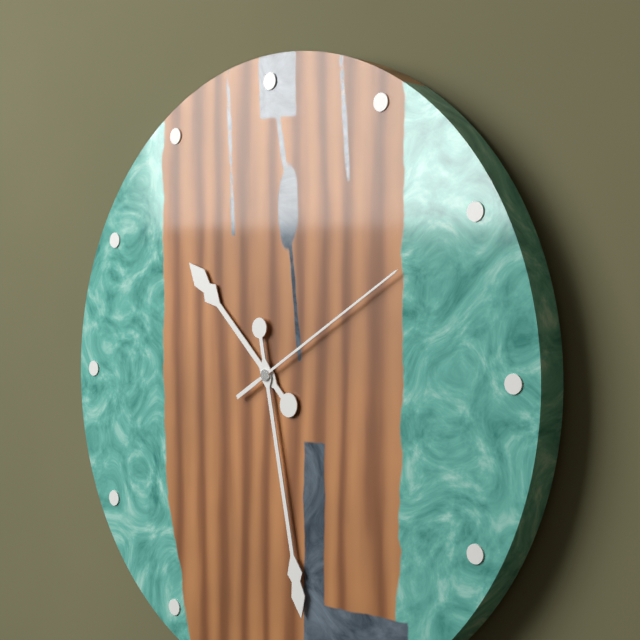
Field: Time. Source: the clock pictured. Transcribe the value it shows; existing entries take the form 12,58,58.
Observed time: 10,28,10
